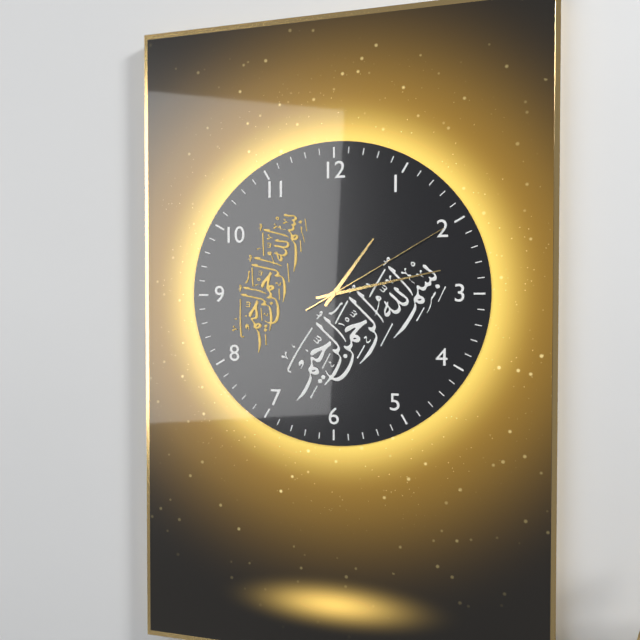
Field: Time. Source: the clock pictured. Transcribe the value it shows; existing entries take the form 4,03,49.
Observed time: 1,13,10
